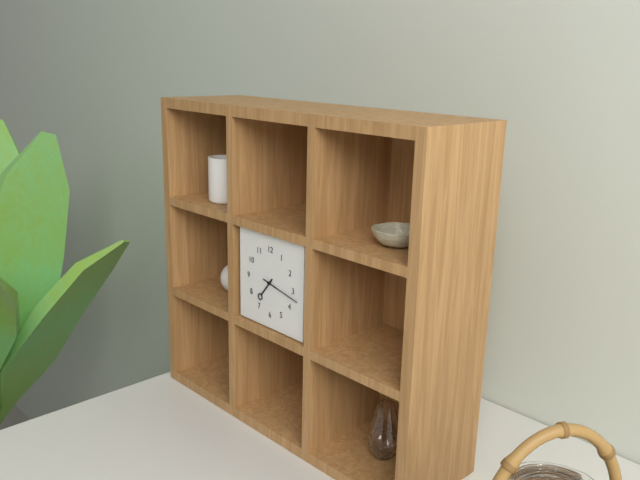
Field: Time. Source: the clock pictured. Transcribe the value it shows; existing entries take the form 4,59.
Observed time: 7,17
